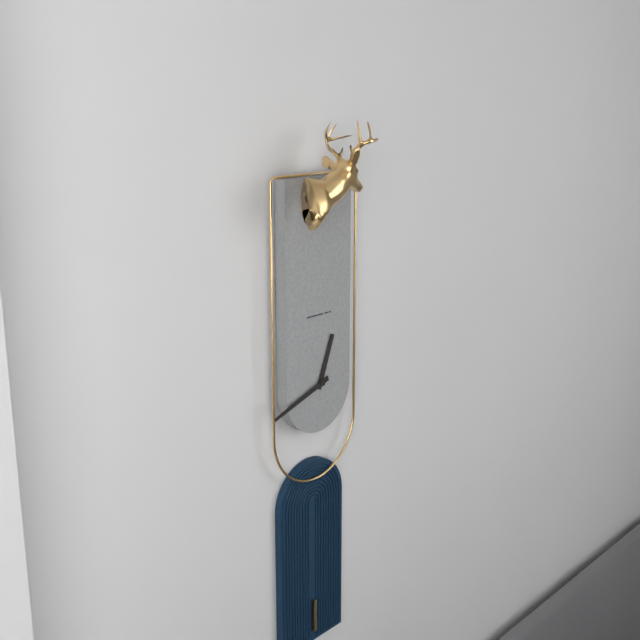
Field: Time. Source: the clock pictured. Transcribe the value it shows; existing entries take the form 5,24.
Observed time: 12,42
